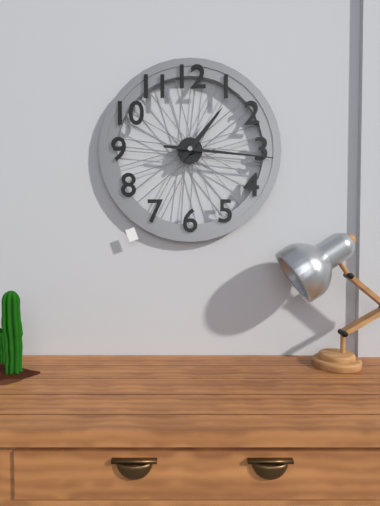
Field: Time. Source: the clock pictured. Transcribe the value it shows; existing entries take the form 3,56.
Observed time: 1,16
